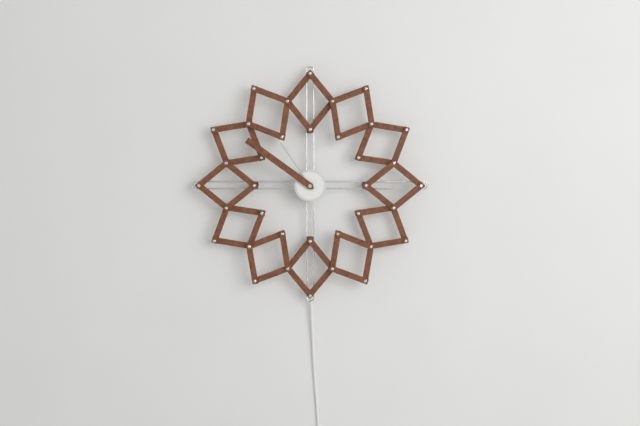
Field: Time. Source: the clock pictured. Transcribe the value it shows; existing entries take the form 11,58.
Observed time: 10,51
